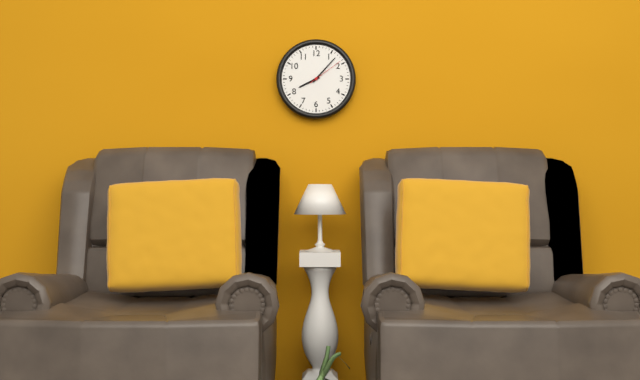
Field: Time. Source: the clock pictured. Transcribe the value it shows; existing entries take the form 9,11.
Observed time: 8,07
